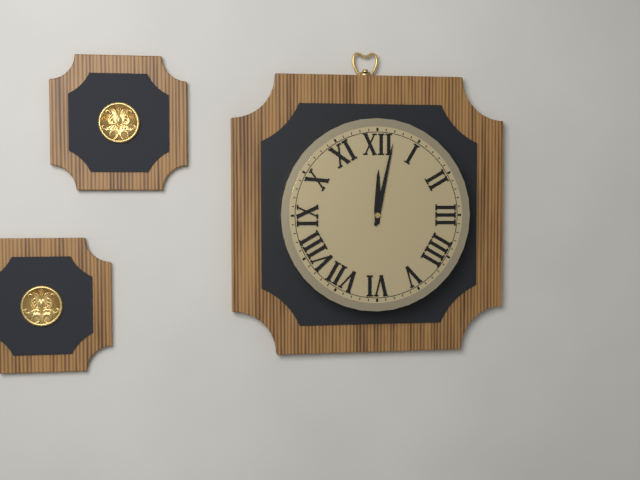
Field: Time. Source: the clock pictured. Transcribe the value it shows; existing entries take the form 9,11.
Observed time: 12,02
